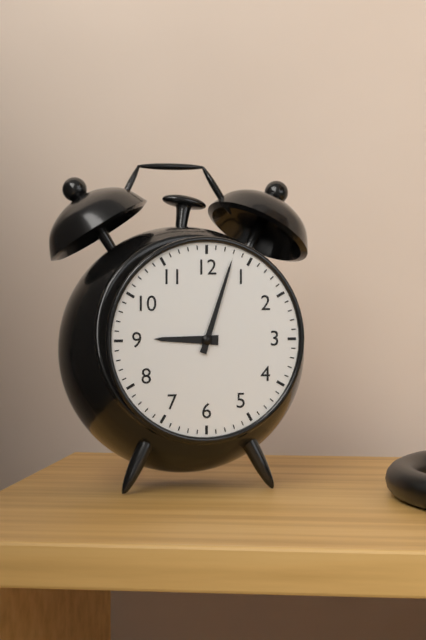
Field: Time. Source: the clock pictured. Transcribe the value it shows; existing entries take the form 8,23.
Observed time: 9,03
